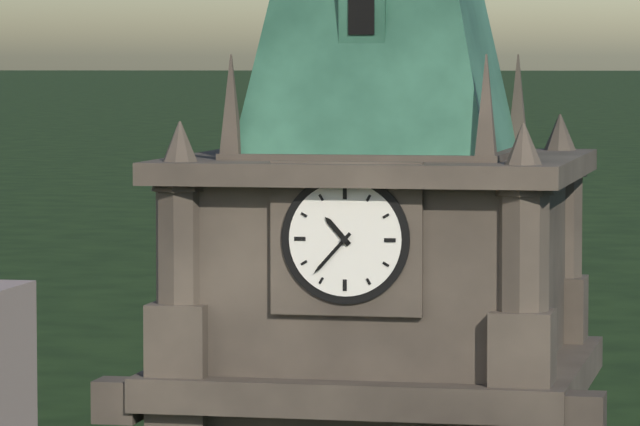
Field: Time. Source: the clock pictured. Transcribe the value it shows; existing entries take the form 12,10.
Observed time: 10,37
